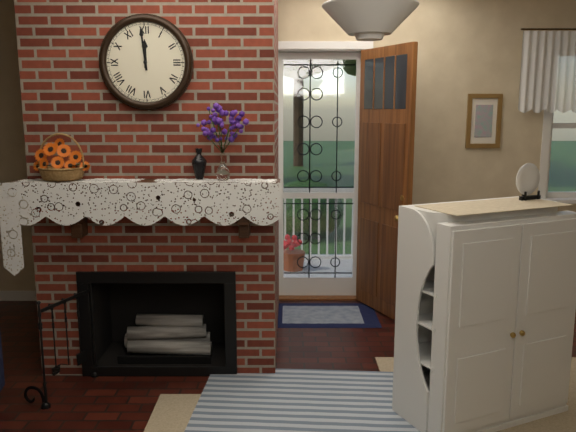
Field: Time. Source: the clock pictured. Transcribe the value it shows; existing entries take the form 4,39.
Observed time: 11,59
